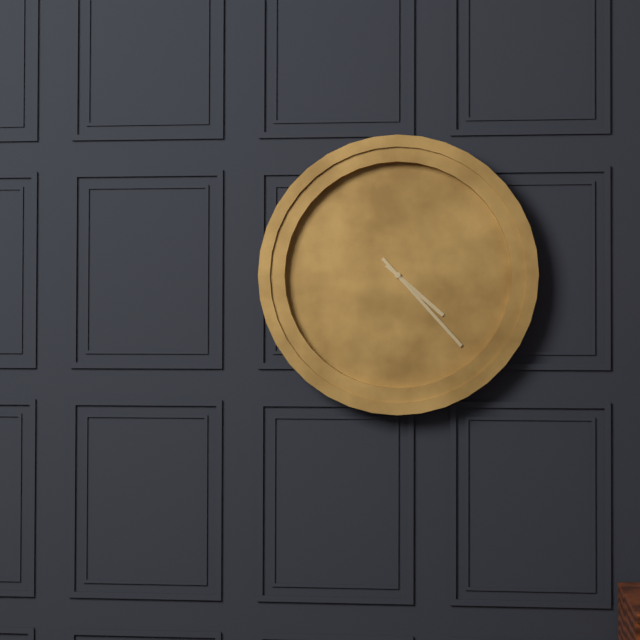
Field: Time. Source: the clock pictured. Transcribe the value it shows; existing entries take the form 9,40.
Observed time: 4,23
